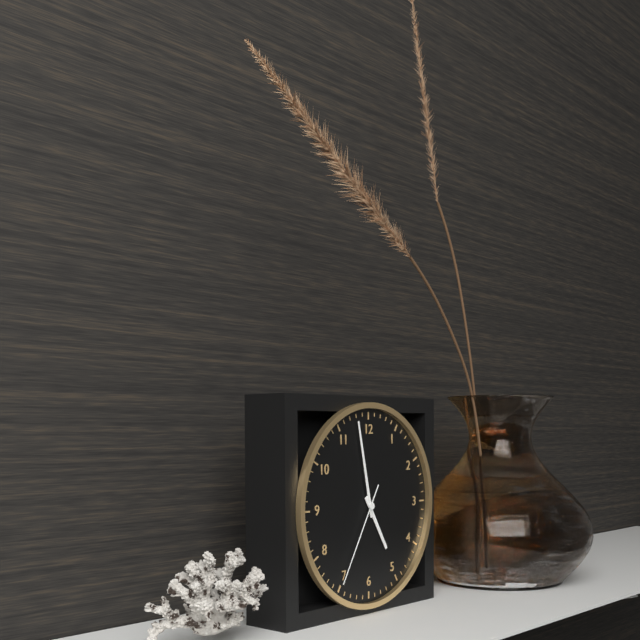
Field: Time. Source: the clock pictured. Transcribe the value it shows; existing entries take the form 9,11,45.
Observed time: 4,58,35
